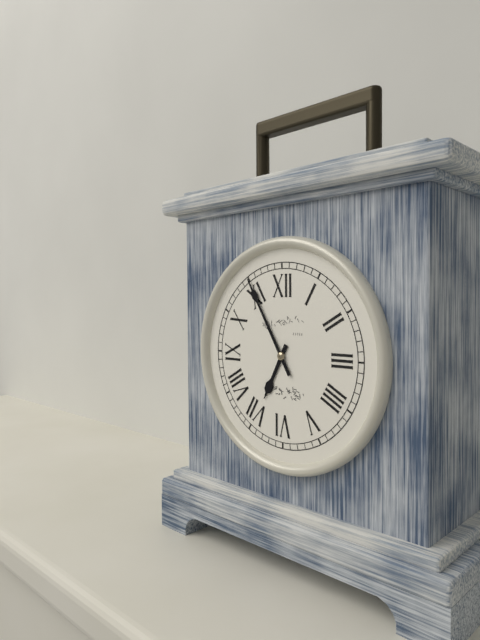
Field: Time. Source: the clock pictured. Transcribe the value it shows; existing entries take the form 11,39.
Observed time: 6,55
